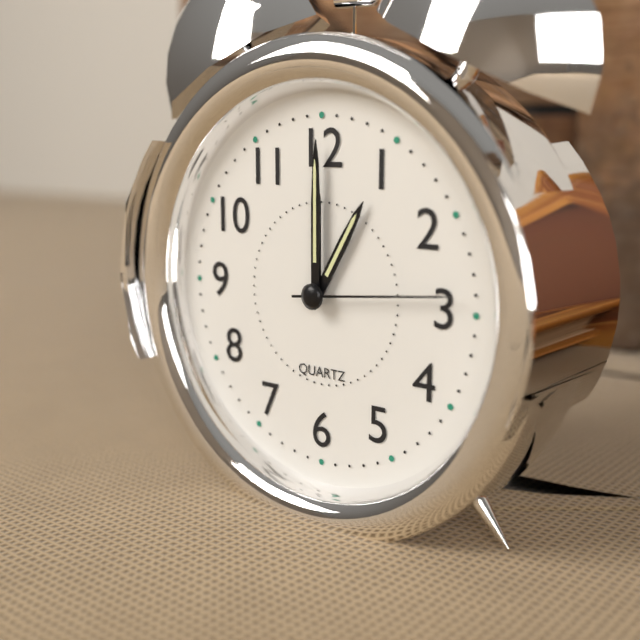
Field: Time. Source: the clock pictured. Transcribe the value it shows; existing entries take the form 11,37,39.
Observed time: 1,00,14
